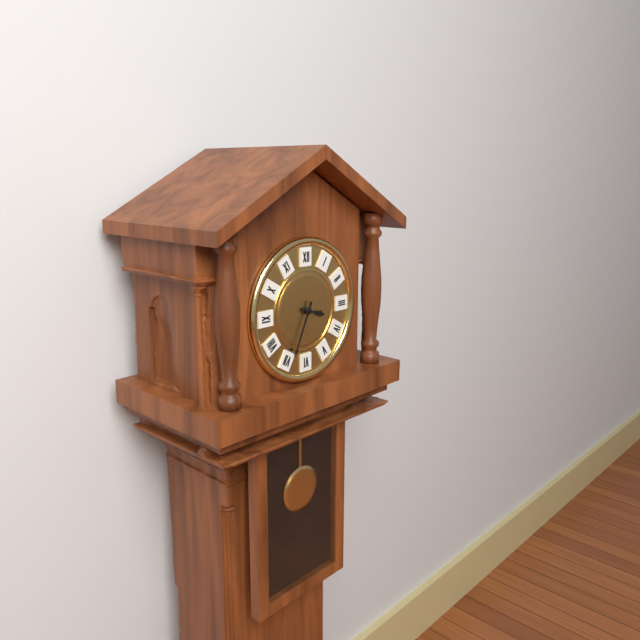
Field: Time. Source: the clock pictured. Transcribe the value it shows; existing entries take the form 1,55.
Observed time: 3,34
